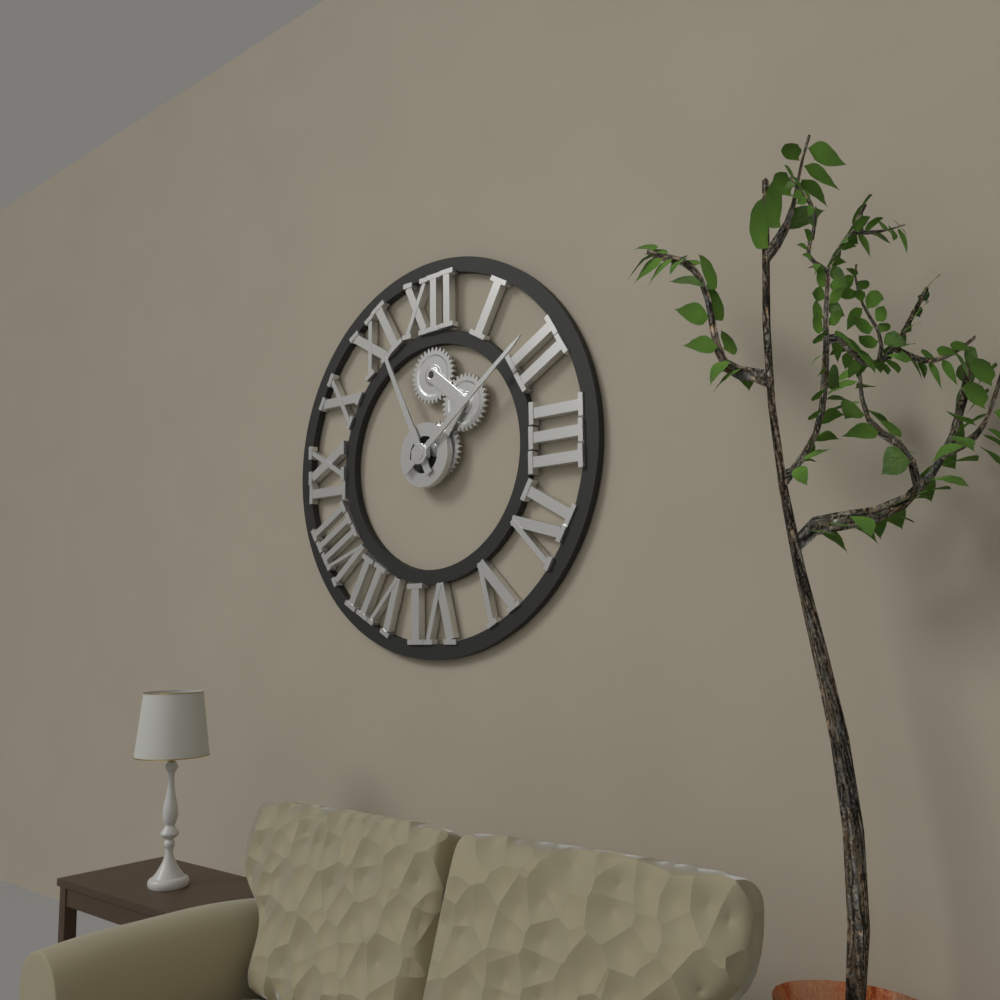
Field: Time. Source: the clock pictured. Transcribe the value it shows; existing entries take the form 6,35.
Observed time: 11,09
